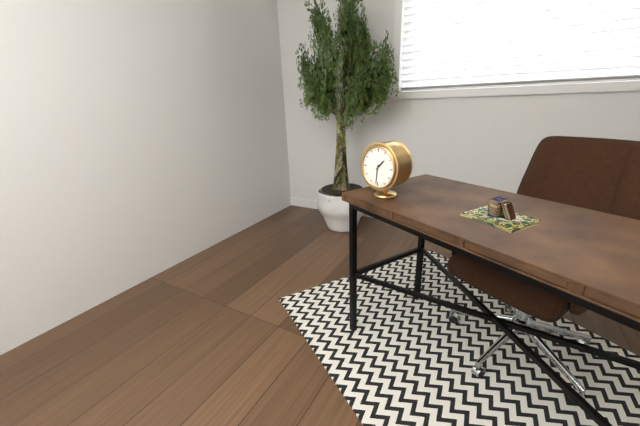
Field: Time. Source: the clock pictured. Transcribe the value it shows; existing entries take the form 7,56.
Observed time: 1,31
